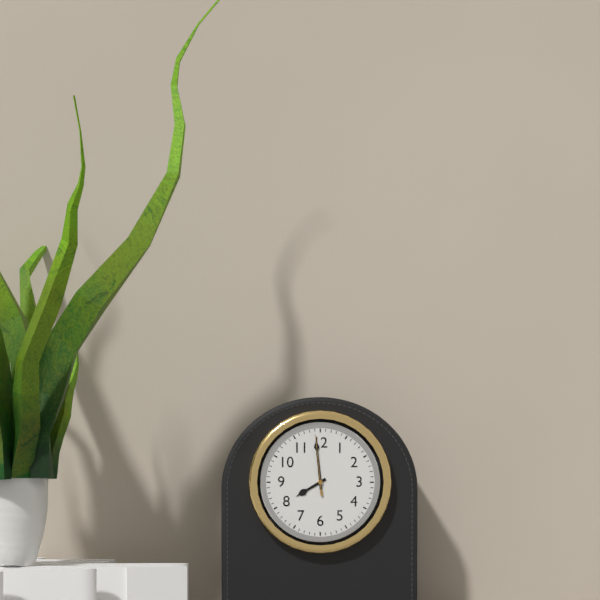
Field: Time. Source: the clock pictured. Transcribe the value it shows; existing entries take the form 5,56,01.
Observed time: 7,59,59
